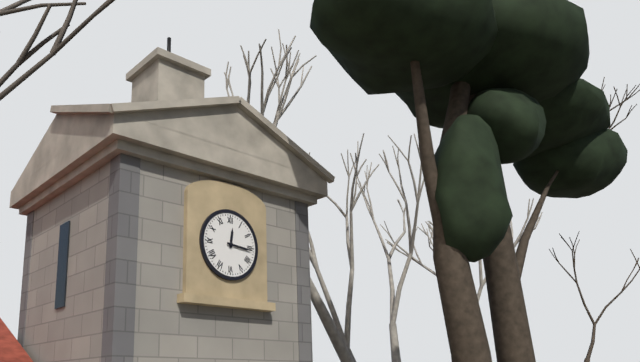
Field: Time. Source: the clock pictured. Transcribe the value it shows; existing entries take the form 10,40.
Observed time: 12,16
